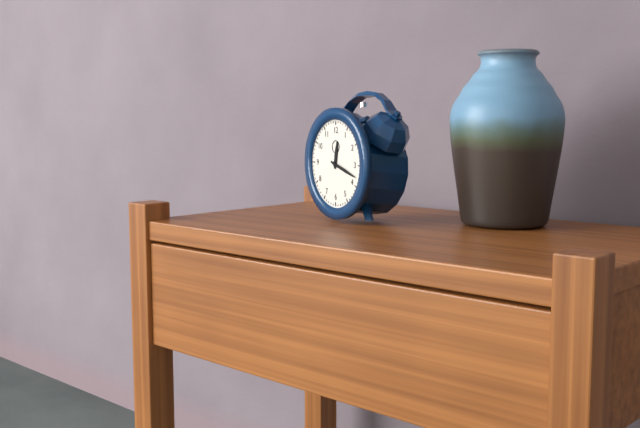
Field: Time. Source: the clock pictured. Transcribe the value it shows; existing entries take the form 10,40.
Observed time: 12,18
